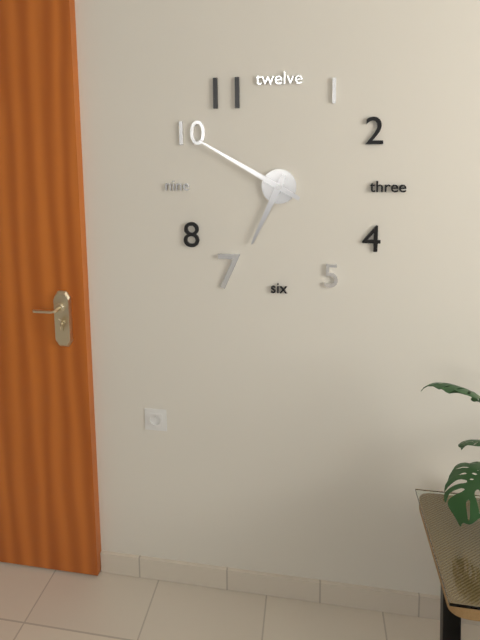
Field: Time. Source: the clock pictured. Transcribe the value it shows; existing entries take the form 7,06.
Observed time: 6,50
